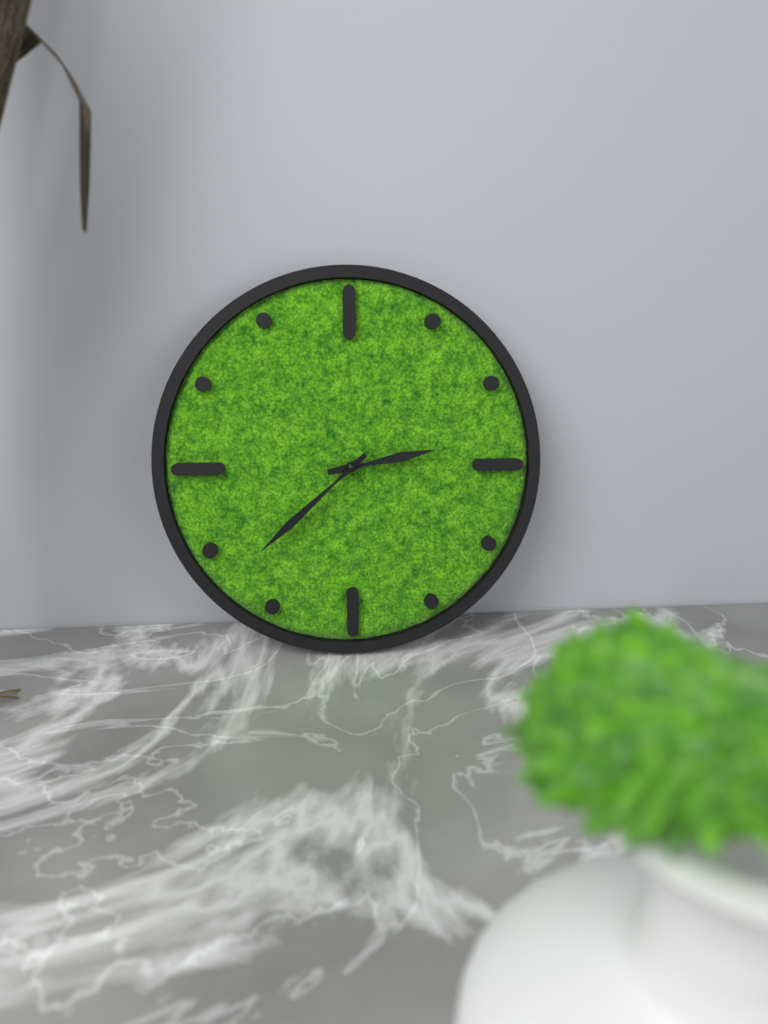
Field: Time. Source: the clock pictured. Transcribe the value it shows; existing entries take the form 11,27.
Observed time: 2,38
